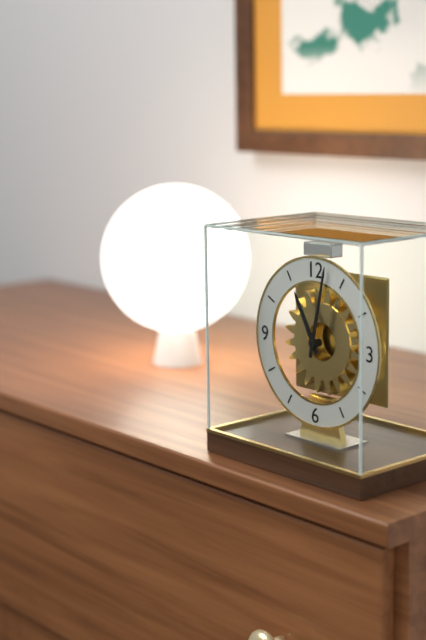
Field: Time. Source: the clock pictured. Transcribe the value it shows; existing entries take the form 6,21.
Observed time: 11,02
